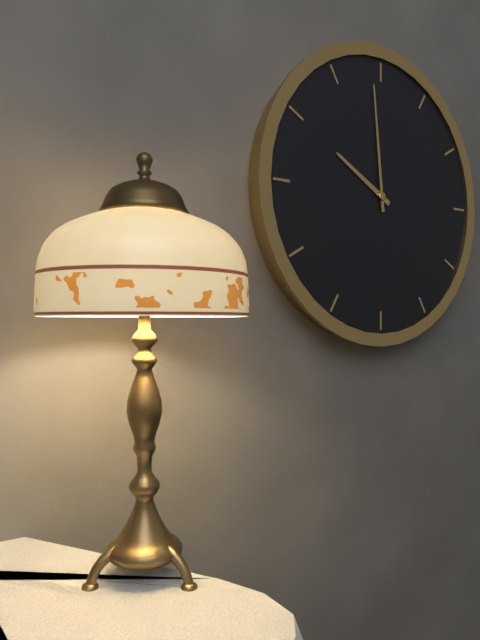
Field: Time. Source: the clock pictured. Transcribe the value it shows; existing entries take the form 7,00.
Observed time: 9,59
